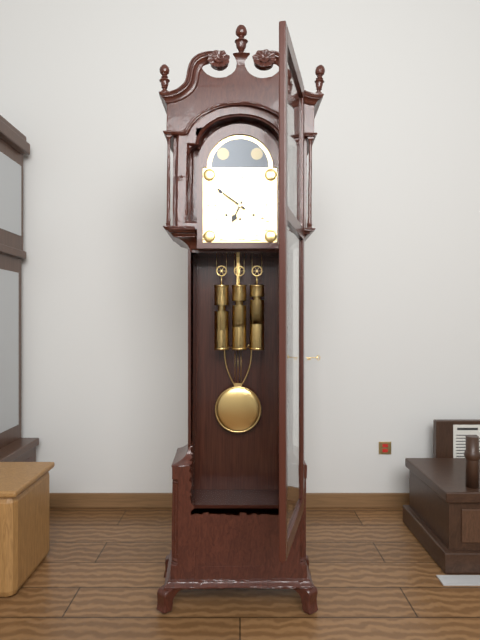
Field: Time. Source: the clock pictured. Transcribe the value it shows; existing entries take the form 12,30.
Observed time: 6,51
